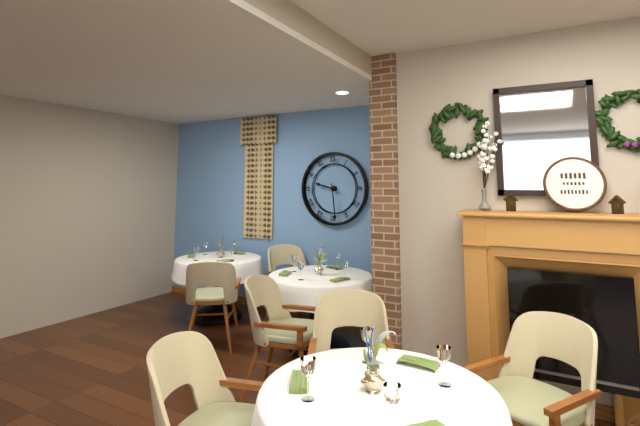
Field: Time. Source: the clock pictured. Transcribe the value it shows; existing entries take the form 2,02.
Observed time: 9,29
